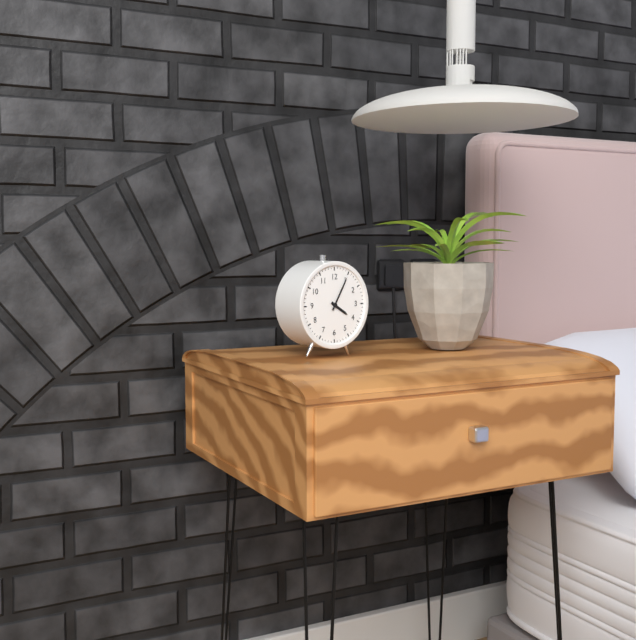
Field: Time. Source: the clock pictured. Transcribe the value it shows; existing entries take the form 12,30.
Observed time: 4,05
